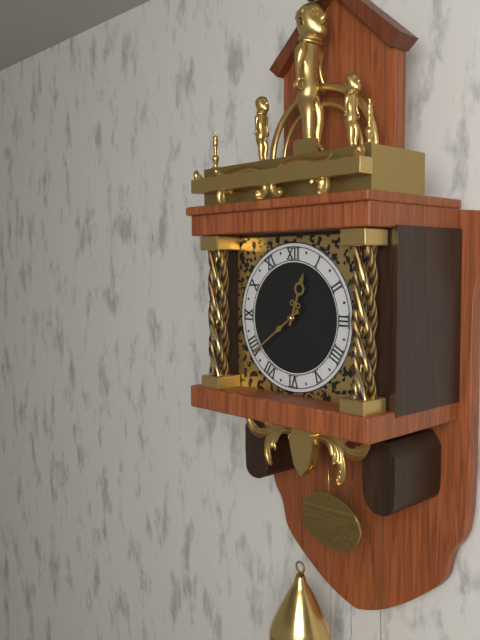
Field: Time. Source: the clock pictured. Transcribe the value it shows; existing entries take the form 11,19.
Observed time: 12,39
